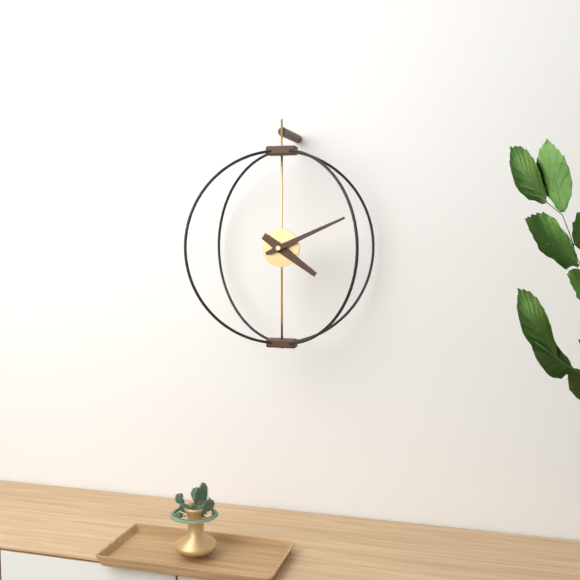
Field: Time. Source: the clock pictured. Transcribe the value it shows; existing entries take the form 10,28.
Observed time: 4,11
